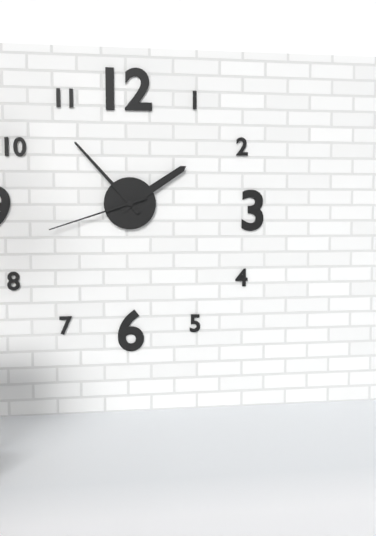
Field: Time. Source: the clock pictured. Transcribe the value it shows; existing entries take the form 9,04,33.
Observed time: 1,53,42
